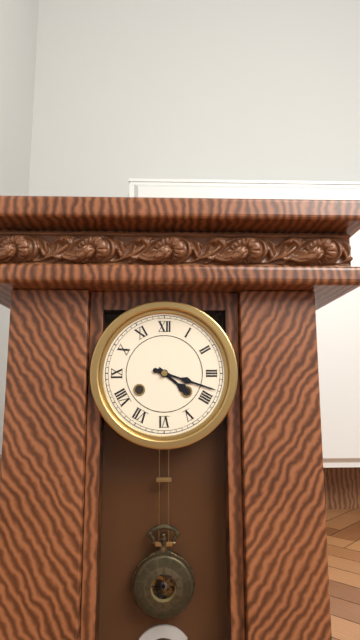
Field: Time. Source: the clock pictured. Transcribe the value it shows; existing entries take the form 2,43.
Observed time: 4,18
